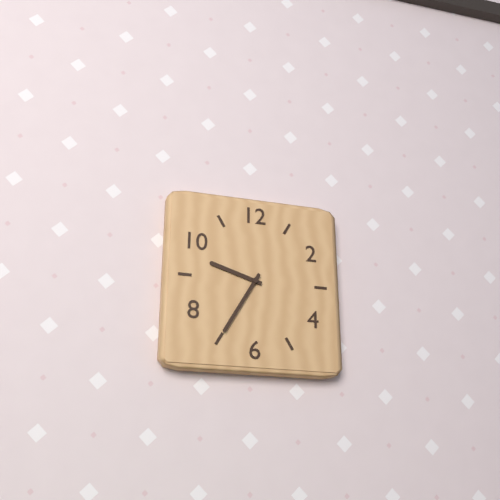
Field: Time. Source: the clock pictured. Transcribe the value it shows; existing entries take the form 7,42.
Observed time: 9,35
